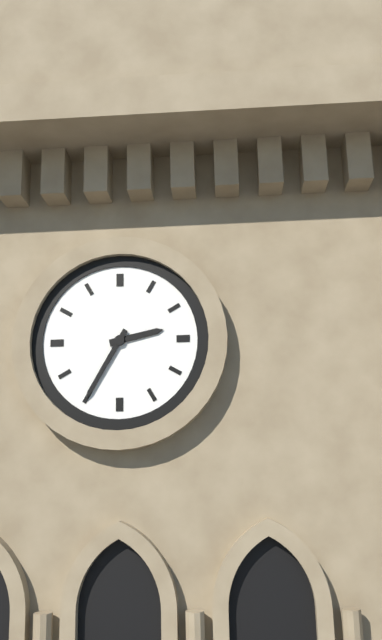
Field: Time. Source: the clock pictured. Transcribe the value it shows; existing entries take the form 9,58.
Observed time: 2,35
